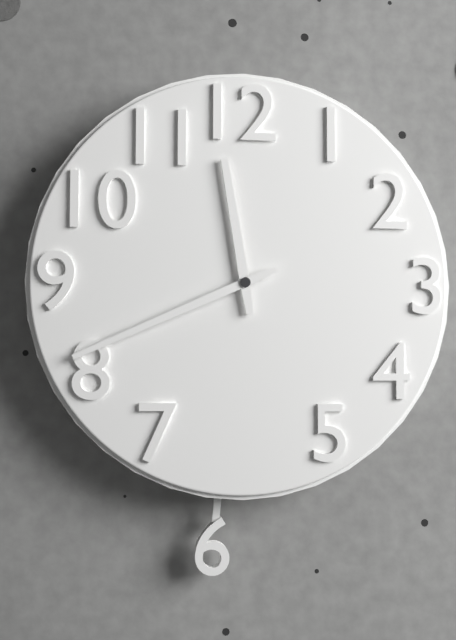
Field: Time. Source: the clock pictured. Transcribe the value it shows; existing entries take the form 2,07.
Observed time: 11,41
